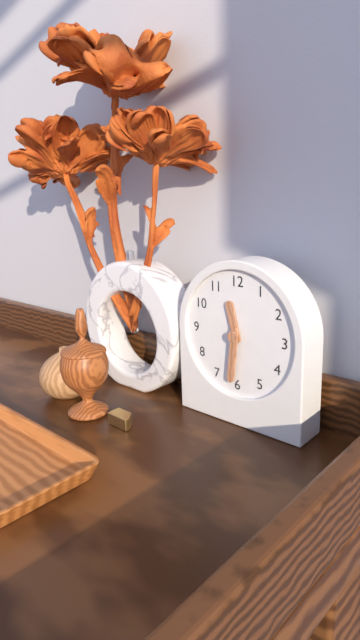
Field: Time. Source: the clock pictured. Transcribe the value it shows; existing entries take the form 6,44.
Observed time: 11,31
